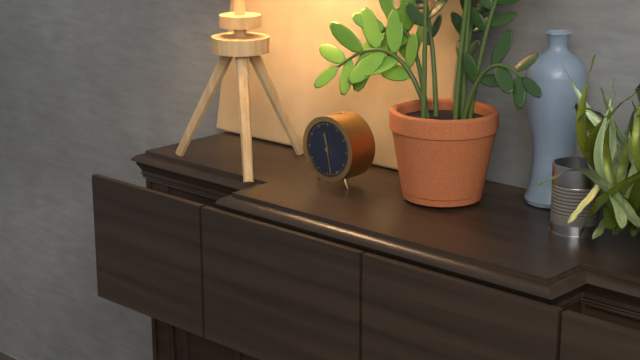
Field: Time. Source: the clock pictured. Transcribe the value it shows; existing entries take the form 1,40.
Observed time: 11,28
